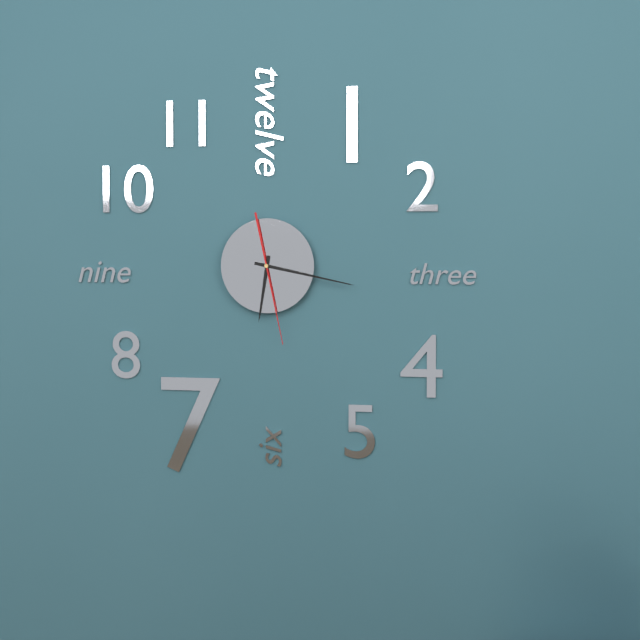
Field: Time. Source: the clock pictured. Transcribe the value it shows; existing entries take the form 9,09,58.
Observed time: 6,17,28
